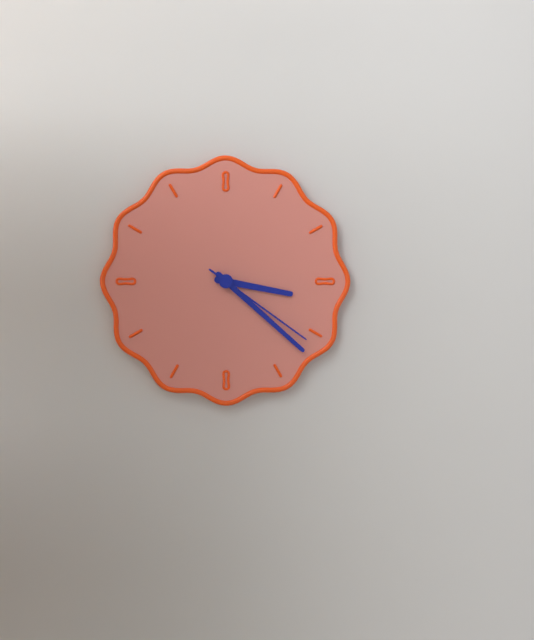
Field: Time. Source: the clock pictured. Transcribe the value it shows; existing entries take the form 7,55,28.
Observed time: 3,22,21
